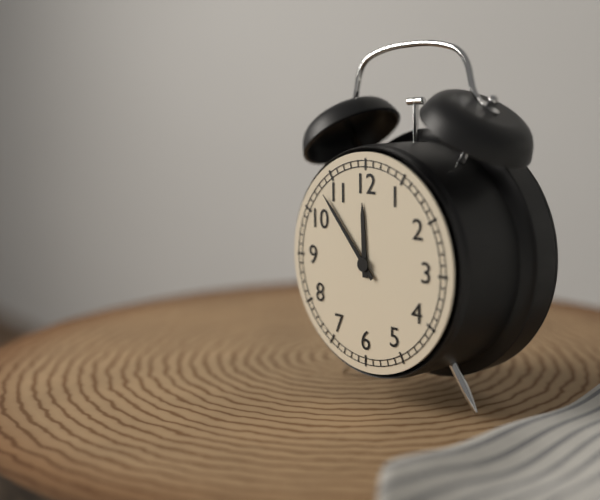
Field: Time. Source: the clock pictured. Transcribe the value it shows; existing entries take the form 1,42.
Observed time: 11,53
